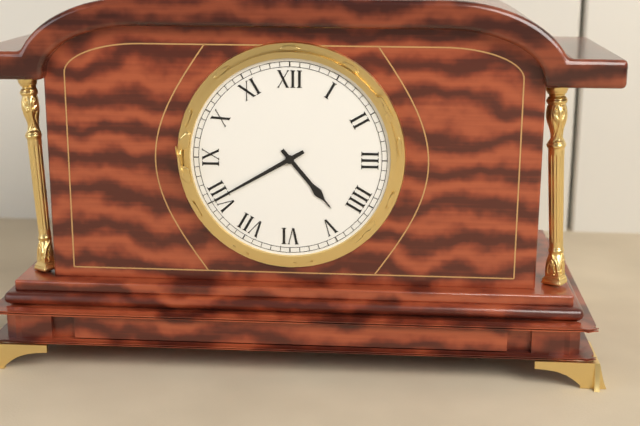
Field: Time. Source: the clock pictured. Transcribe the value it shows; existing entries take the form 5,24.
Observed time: 4,40
